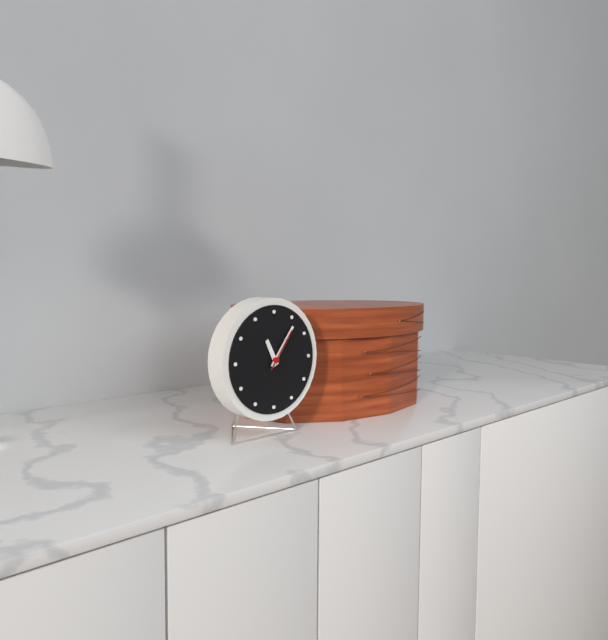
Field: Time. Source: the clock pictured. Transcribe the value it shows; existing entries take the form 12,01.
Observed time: 11,06
